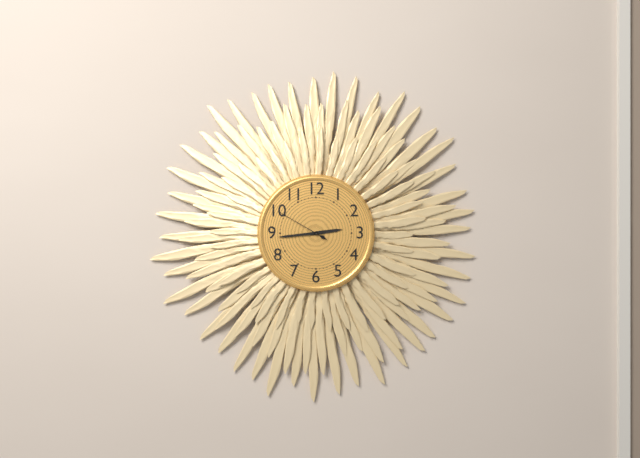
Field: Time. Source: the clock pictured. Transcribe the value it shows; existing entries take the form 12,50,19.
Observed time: 2,44,50
